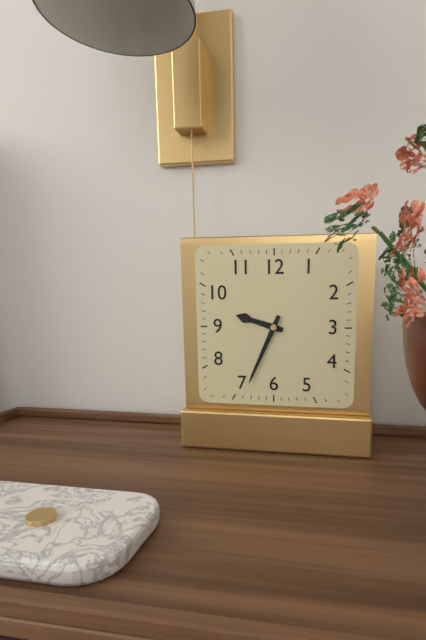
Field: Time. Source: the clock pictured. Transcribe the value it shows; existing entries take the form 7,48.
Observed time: 9,34
